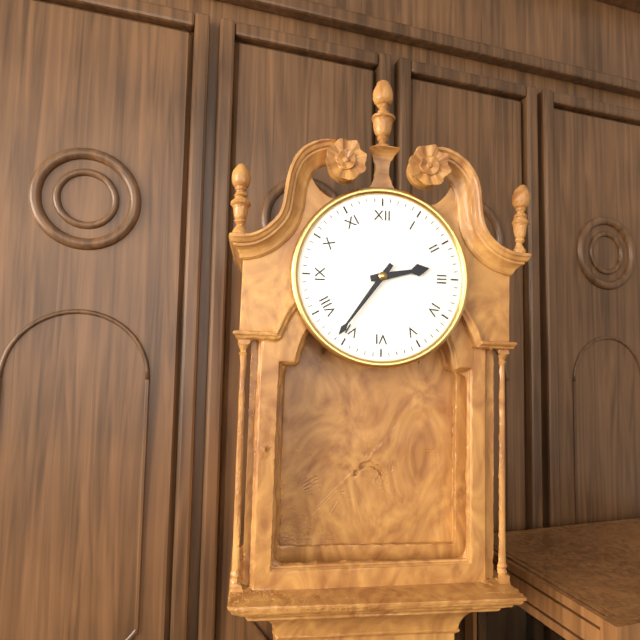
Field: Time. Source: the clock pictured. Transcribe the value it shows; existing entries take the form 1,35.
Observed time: 2,36
